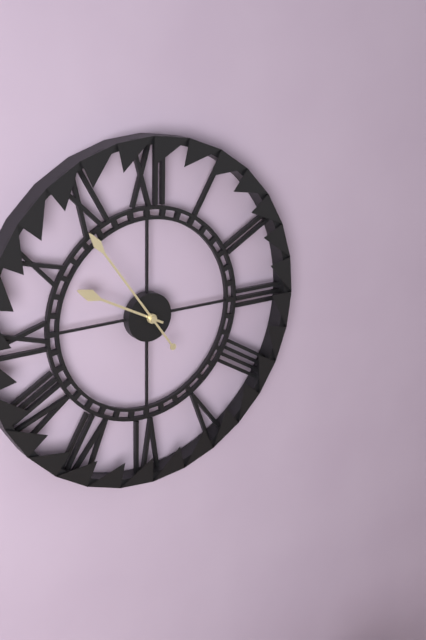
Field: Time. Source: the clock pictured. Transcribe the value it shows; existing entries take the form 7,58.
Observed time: 9,54
